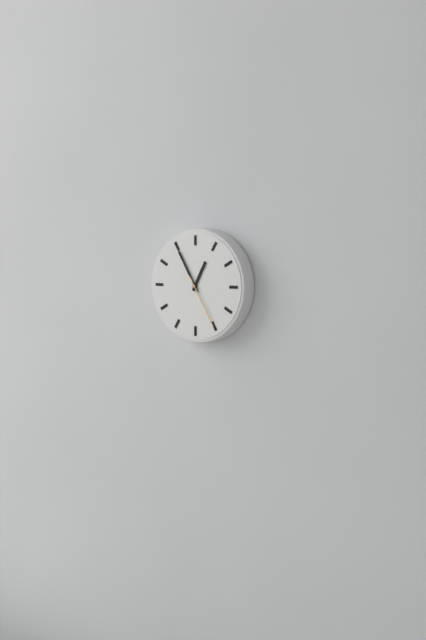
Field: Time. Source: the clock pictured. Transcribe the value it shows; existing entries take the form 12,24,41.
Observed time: 12,55,25
